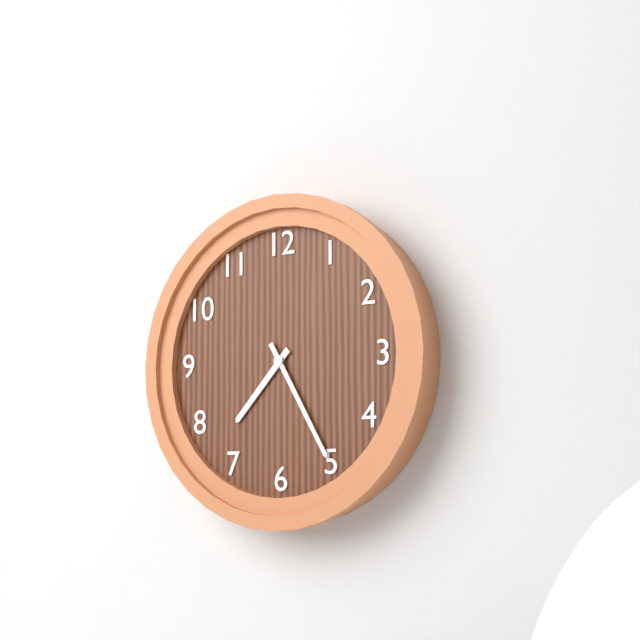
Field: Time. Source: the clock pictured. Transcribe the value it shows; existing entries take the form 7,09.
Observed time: 7,25
